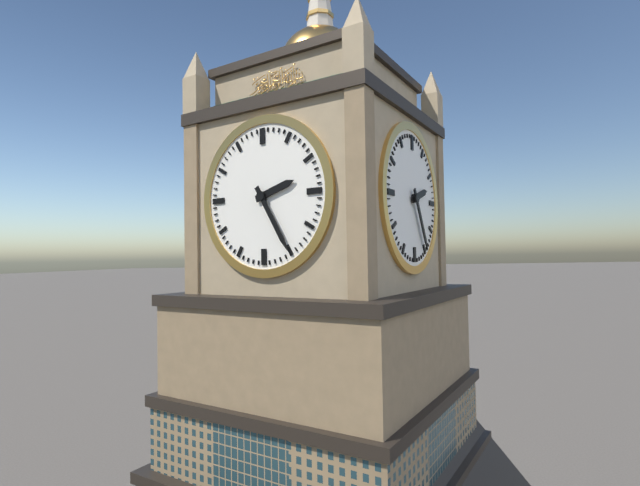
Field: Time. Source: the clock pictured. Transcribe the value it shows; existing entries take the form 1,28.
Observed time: 2,25
